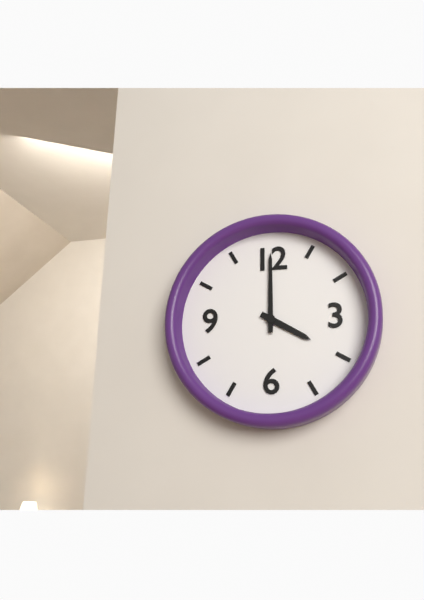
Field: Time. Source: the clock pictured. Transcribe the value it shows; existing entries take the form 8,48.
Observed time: 4,00
